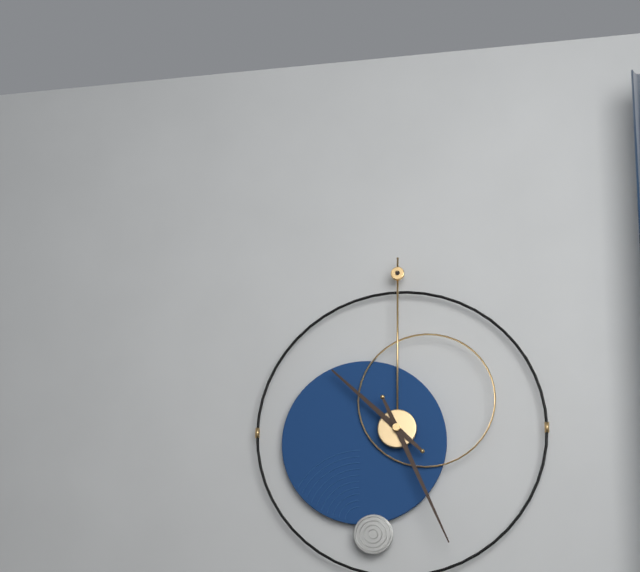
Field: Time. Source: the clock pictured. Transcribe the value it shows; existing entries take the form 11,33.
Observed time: 10,26
